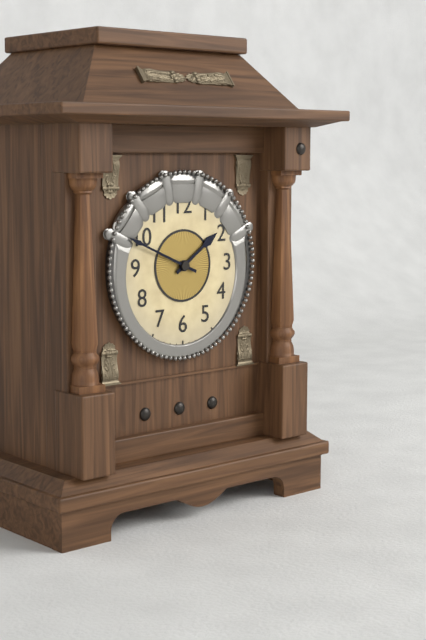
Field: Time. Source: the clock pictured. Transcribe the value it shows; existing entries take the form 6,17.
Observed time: 1,49
